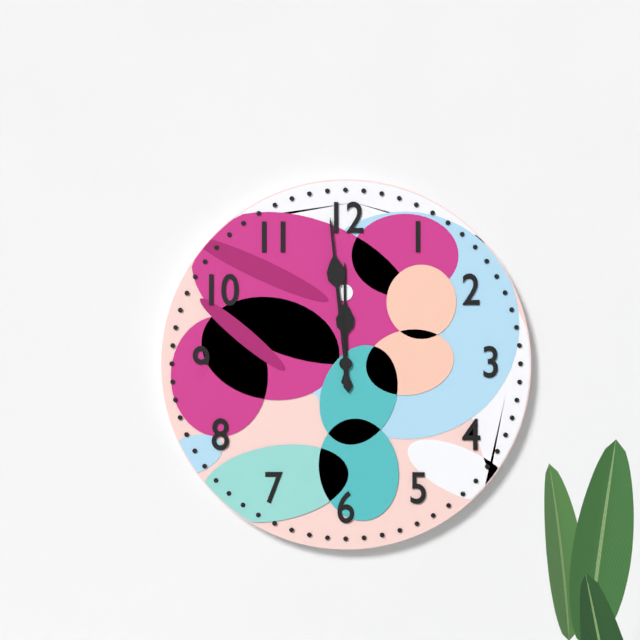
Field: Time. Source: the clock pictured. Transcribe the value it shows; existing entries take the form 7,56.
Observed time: 11,59
